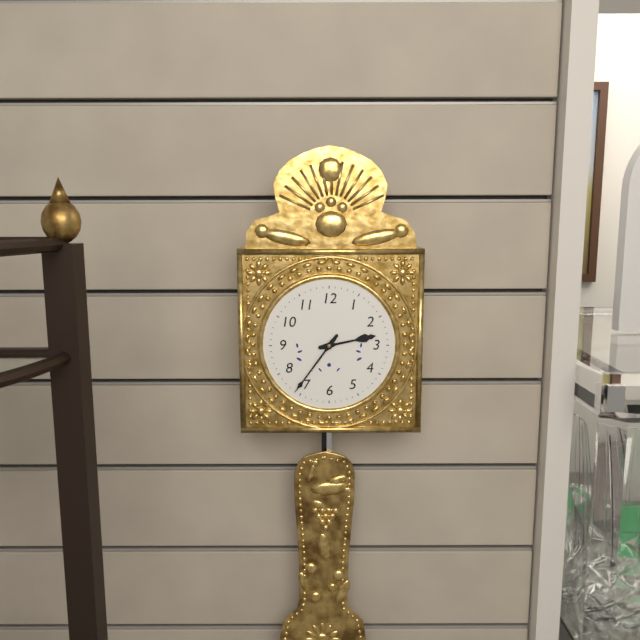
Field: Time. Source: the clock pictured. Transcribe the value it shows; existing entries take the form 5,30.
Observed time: 2,36
